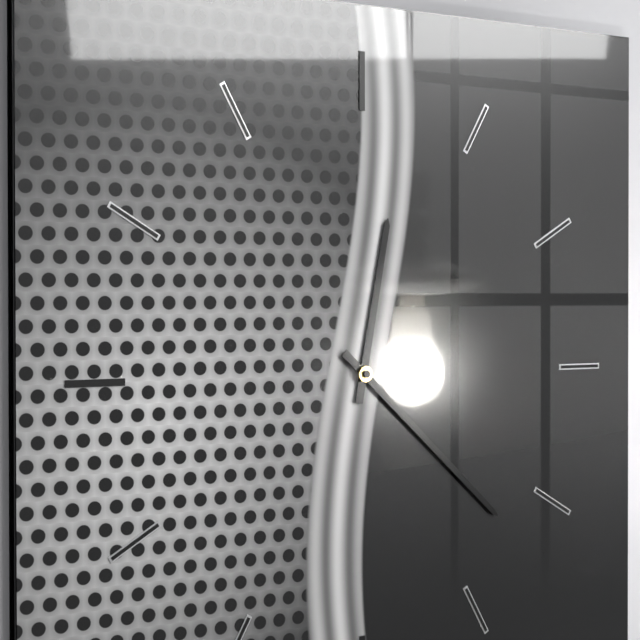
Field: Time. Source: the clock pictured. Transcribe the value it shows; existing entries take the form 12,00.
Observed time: 12,22
